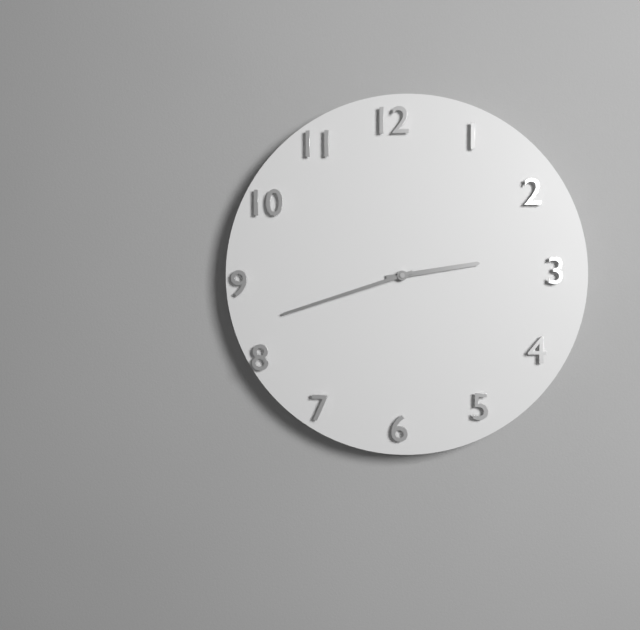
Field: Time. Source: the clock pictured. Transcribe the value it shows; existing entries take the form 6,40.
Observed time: 2,42
